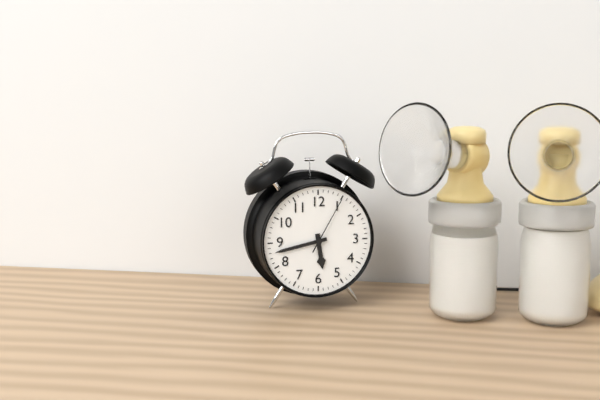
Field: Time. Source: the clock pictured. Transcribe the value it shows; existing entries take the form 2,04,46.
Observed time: 5,43,05
